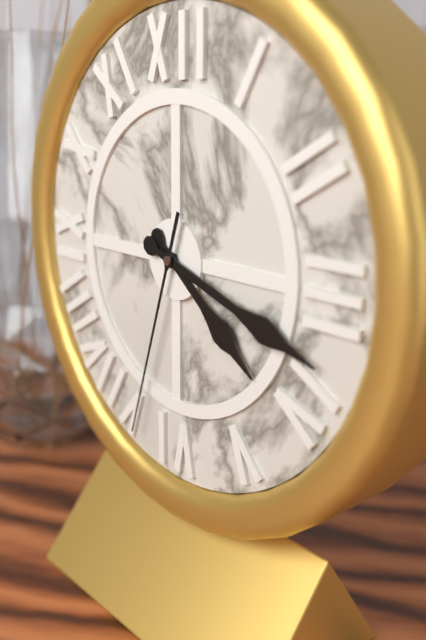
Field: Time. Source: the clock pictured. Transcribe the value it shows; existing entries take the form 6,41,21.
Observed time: 4,18,33
